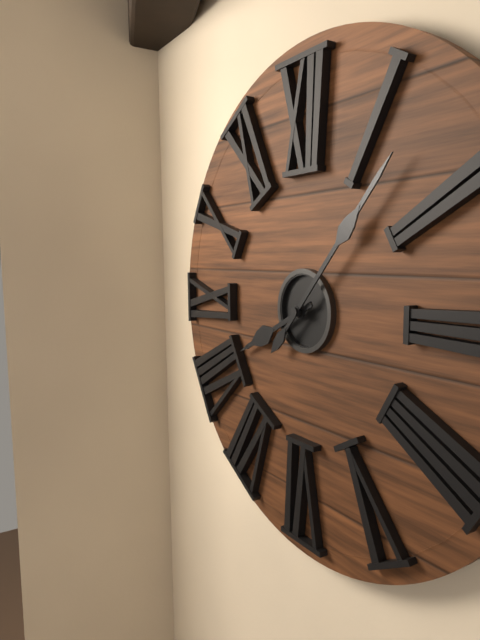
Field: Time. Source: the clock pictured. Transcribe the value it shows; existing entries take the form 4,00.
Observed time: 8,07
